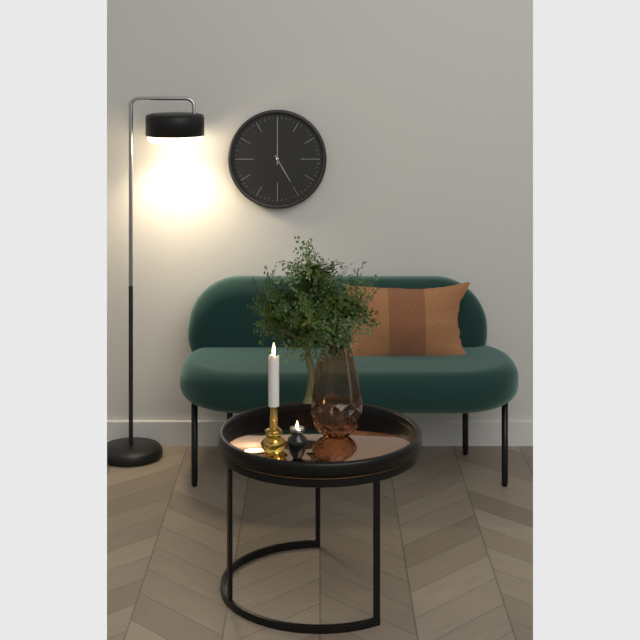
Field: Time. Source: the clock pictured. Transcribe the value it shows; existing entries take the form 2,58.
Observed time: 5,00
